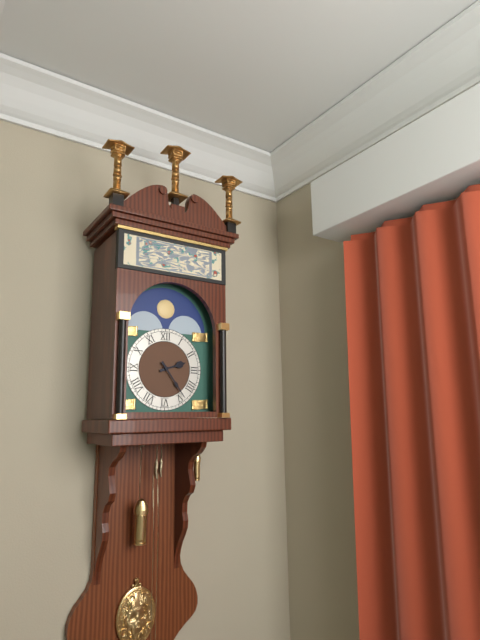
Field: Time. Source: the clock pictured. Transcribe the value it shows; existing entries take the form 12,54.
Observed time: 2,24
